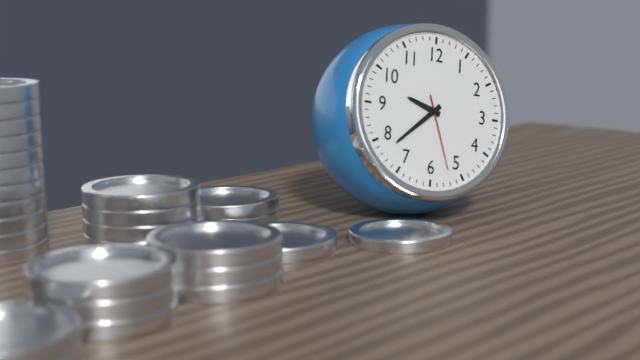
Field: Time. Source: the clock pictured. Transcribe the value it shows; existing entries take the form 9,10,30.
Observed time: 9,38,27
